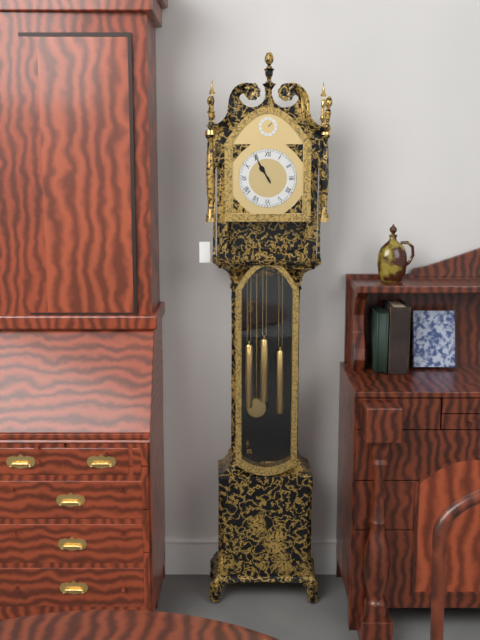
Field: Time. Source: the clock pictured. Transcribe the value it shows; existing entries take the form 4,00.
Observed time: 10,55
